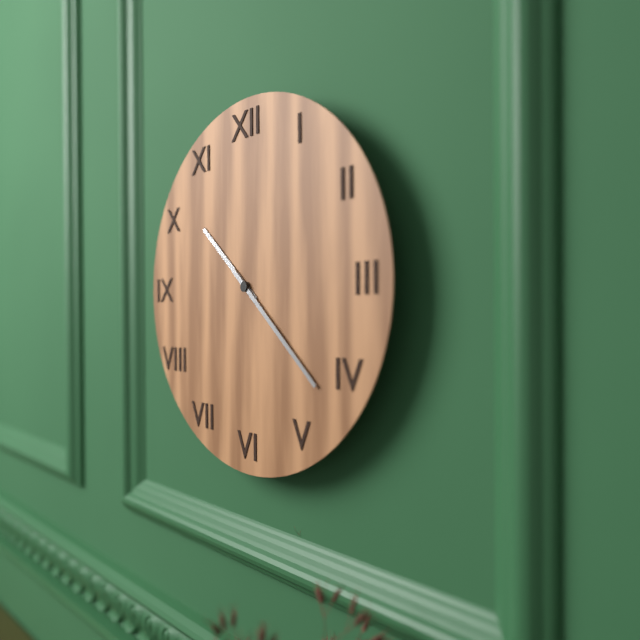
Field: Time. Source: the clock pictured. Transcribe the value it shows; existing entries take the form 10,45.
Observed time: 10,22
